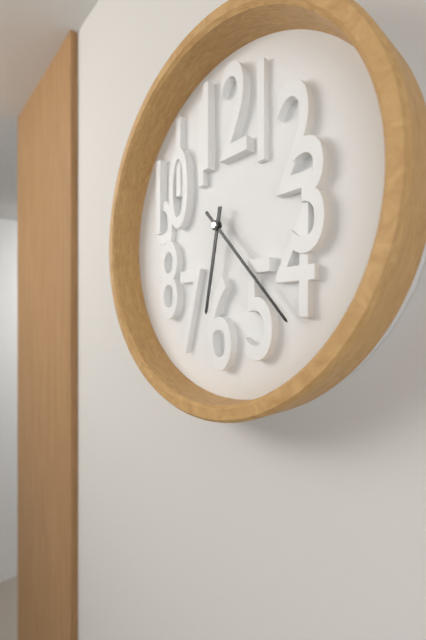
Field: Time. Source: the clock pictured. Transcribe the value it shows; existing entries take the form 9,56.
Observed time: 6,23
